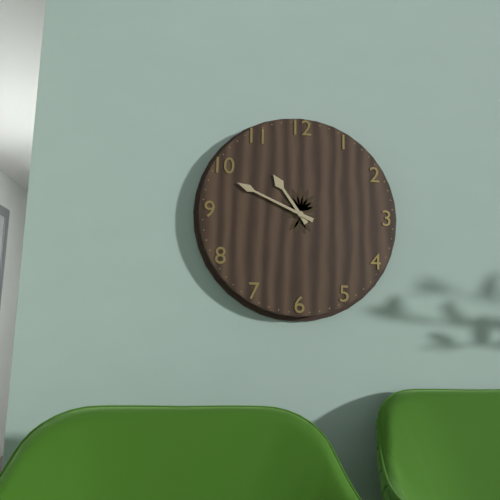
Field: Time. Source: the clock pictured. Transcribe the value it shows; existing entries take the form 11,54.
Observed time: 10,49
